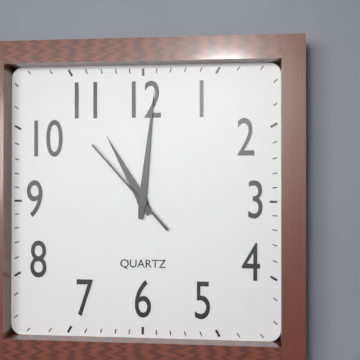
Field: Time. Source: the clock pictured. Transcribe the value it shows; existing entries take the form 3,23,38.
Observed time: 11,01,53
